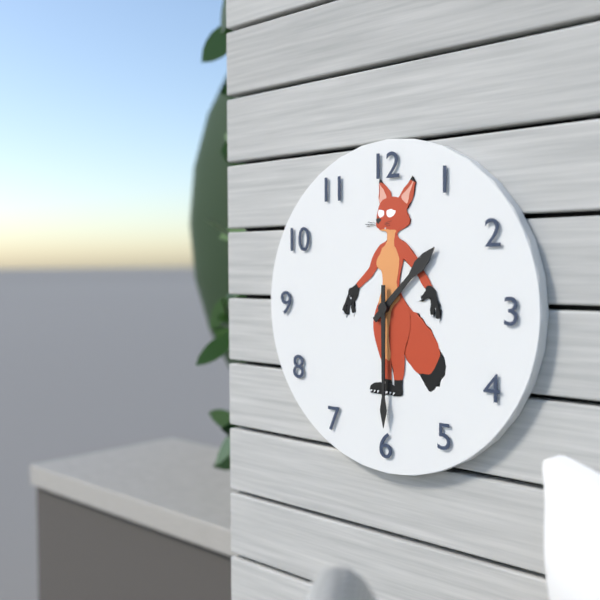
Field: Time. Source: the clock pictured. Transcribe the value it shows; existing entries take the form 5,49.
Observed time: 1,30
